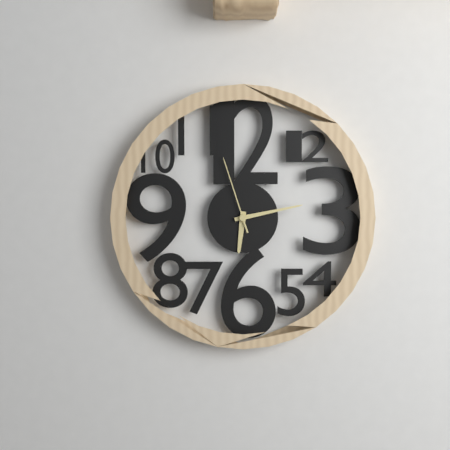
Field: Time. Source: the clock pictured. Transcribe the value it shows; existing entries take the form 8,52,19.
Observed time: 6,13,57
